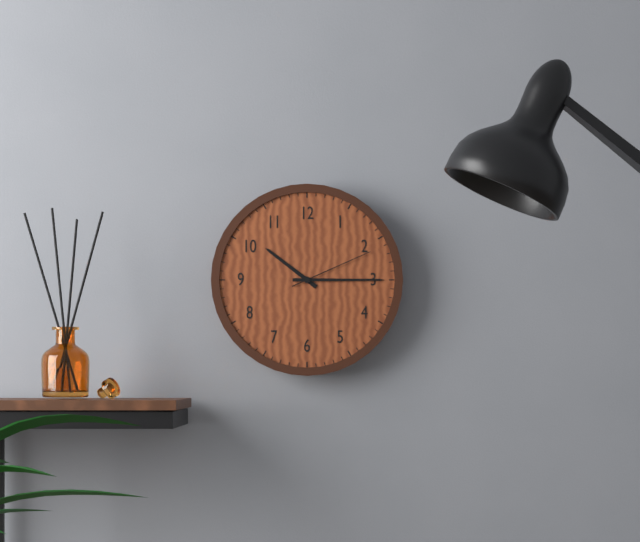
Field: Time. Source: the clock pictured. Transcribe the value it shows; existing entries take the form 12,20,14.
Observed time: 10,15,11
